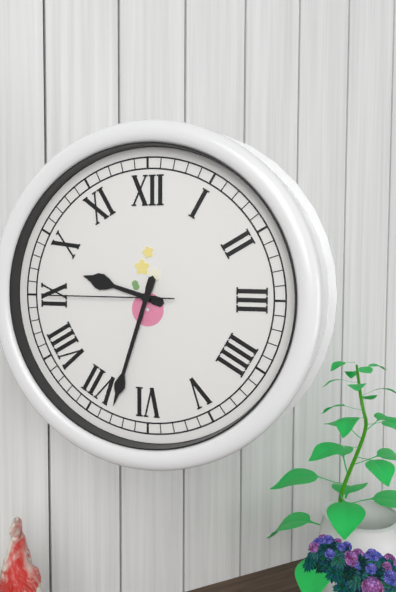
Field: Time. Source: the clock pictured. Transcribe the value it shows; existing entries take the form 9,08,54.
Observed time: 9,33,45
